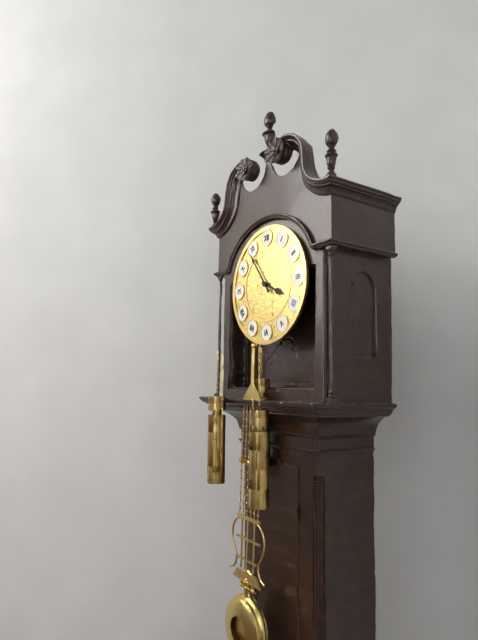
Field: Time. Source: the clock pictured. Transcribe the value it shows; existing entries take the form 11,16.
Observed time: 3,54
